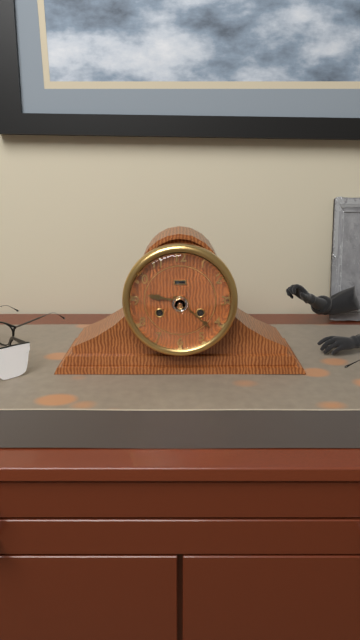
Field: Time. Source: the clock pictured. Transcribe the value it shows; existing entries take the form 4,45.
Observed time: 9,22
